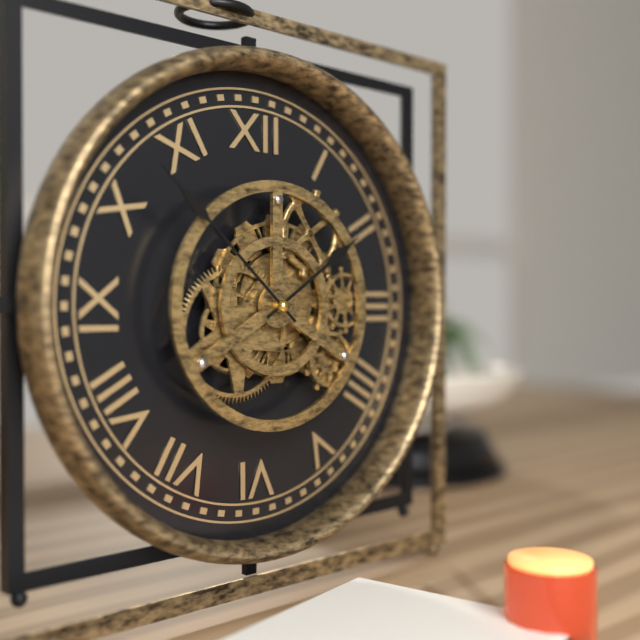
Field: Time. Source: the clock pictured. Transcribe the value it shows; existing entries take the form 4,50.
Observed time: 1,52
